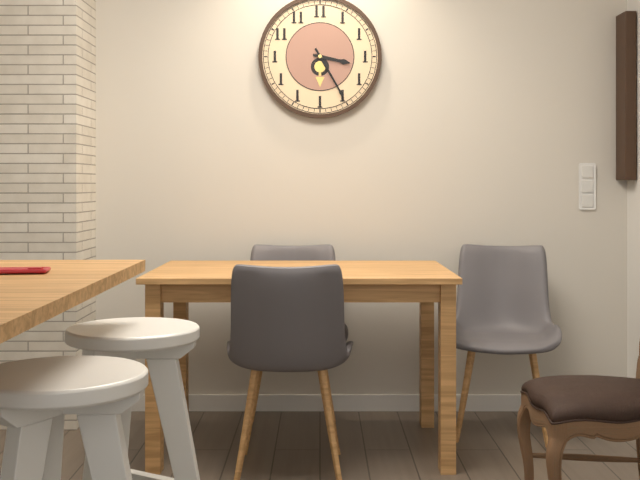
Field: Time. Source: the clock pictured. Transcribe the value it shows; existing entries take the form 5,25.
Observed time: 3,25
